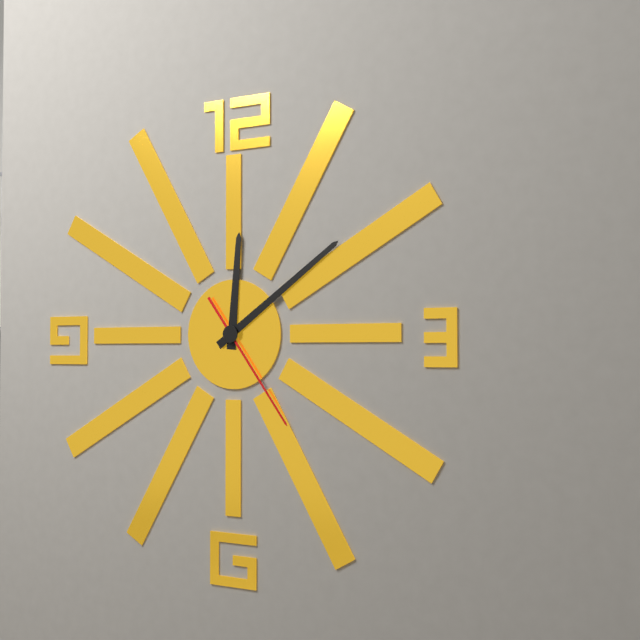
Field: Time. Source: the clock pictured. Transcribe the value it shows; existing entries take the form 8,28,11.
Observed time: 12,09,24
